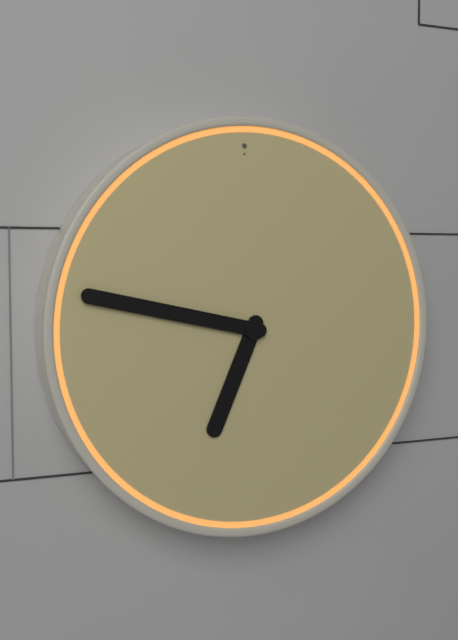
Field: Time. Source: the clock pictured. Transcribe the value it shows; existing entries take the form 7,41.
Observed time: 6,47
